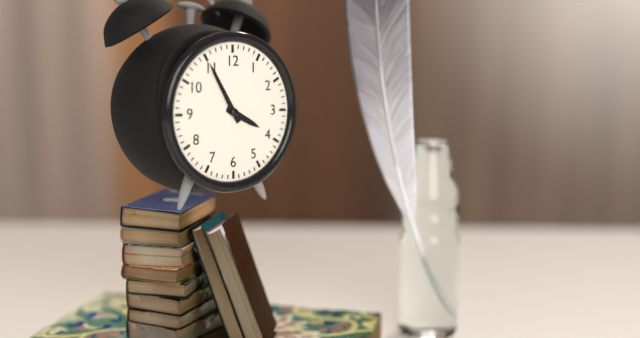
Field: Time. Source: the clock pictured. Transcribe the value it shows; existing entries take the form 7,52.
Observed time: 3,55
